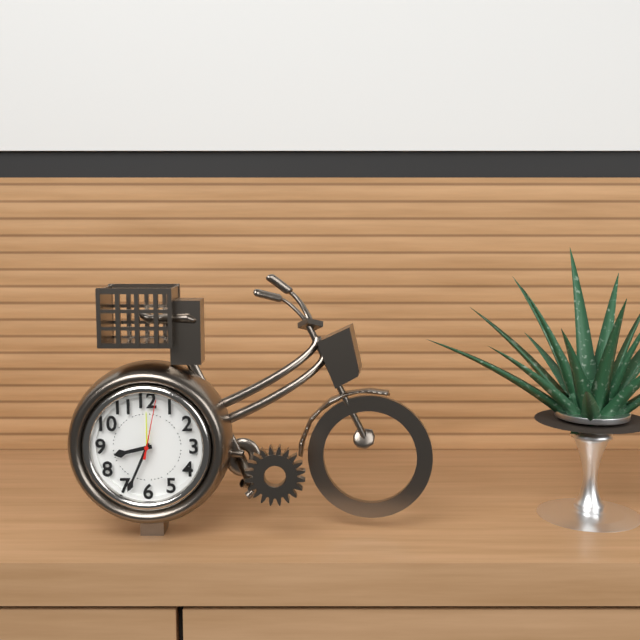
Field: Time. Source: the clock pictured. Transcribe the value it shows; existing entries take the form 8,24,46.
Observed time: 8,34,02
